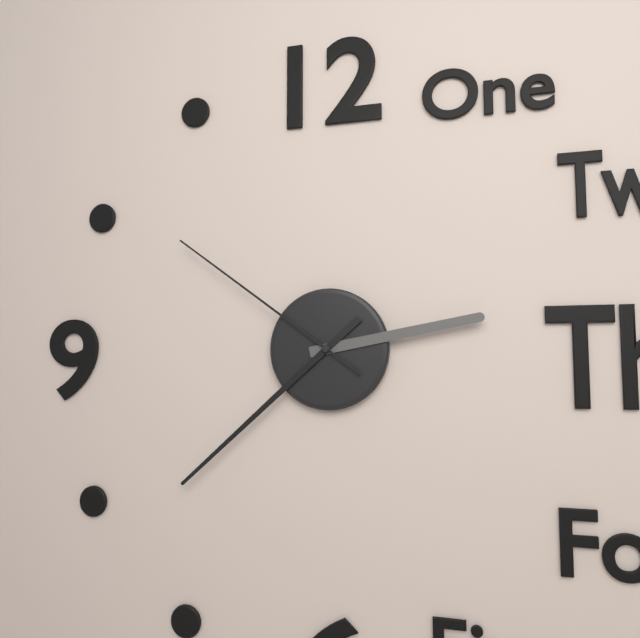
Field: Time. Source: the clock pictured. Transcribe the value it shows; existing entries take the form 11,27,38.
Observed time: 2,38,51
